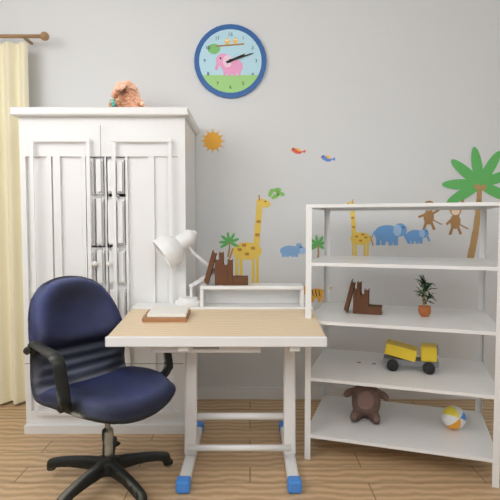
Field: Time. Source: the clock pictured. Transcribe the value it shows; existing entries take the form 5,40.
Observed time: 2,12
